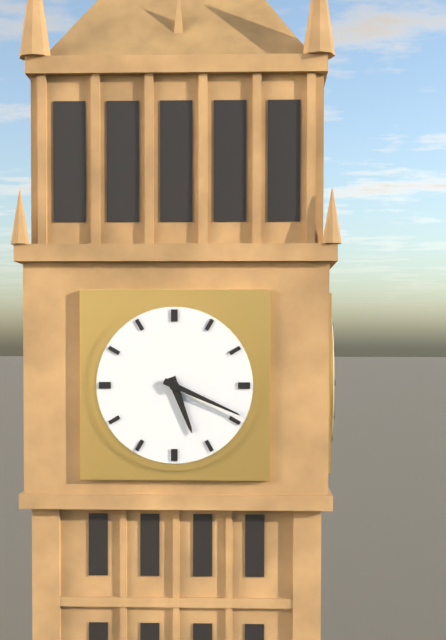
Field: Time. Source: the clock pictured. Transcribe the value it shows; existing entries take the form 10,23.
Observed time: 5,19
